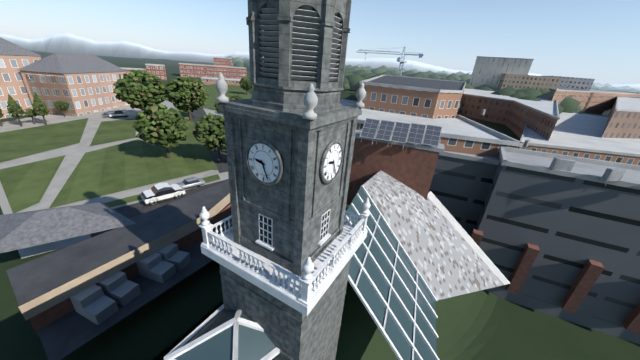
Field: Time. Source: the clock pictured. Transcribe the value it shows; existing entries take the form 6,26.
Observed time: 9,26
